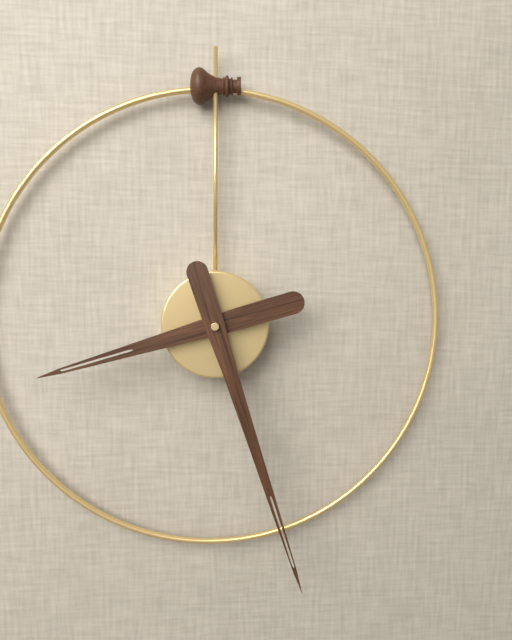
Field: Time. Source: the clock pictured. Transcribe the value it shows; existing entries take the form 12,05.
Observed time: 8,27
